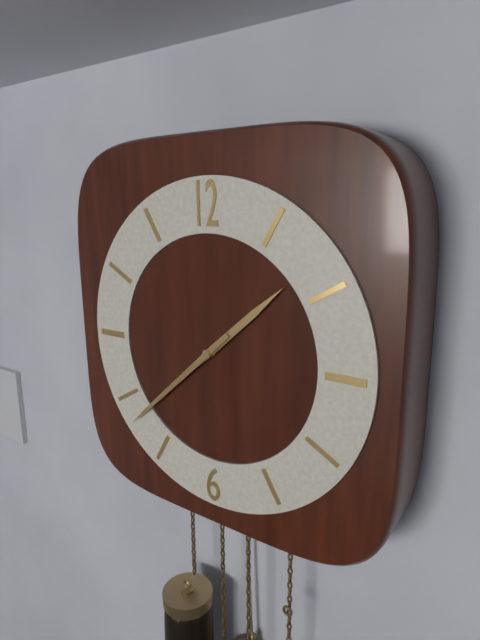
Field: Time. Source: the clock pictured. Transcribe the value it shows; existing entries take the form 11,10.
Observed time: 1,38
